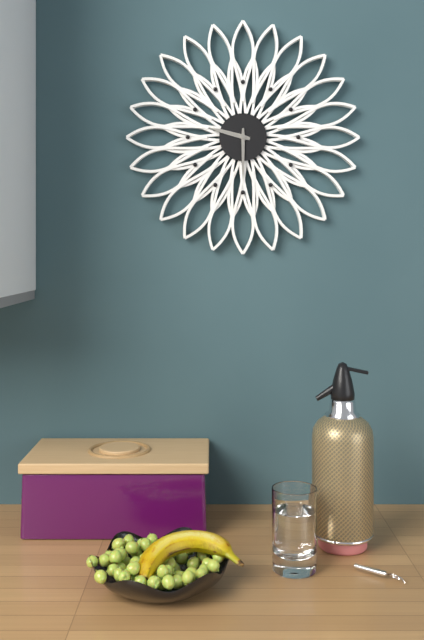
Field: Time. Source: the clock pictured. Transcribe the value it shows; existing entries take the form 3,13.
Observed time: 9,30
